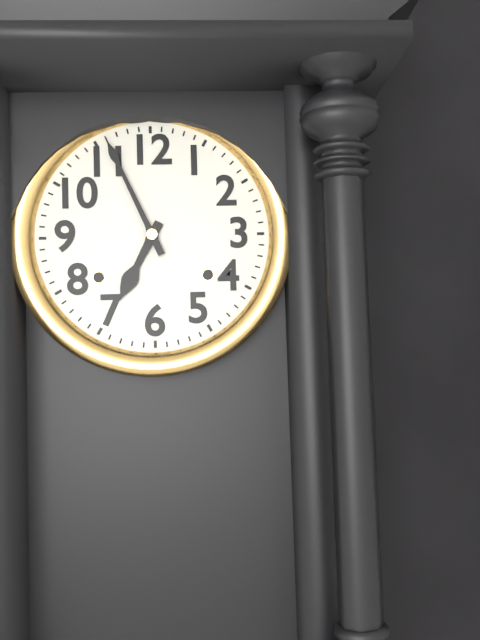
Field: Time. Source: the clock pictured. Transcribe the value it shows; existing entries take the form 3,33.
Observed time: 6,56
